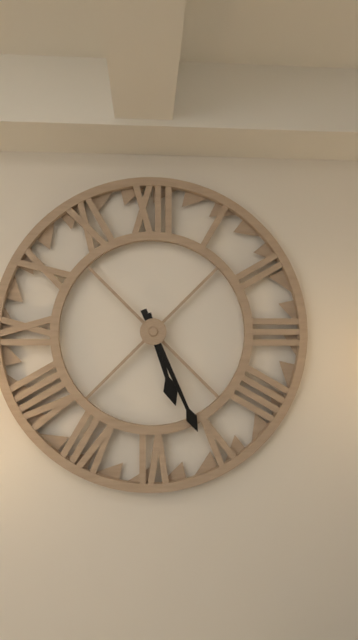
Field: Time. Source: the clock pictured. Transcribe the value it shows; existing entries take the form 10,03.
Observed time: 5,26
